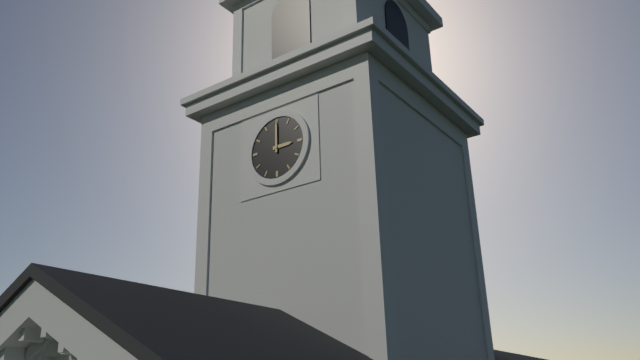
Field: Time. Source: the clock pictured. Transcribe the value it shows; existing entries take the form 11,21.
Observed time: 3,00
